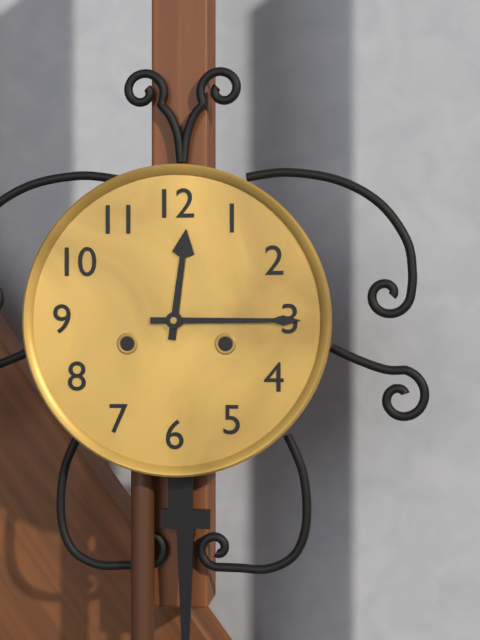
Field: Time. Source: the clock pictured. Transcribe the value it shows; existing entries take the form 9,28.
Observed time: 12,15
